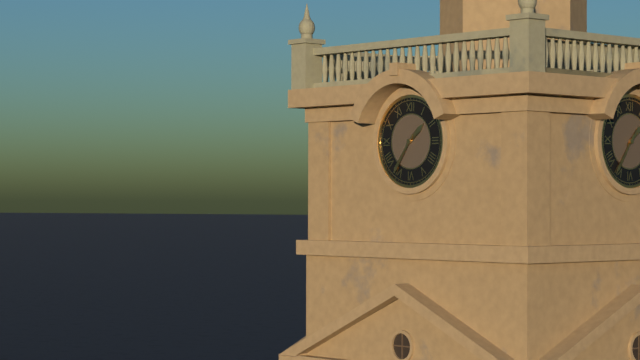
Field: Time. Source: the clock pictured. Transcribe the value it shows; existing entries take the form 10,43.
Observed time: 1,36
